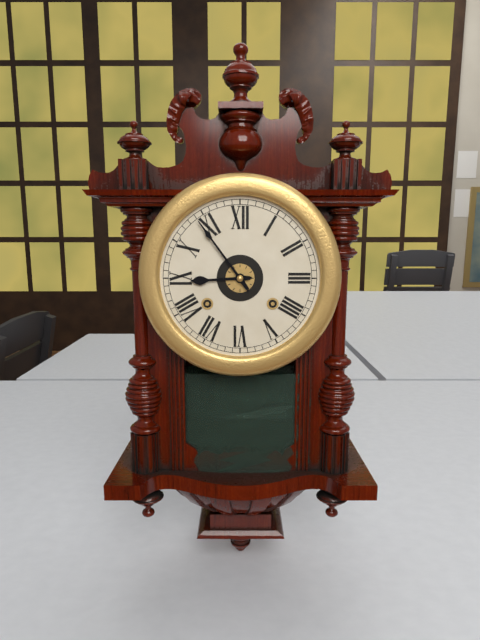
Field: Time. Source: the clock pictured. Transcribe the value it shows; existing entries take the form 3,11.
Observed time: 8,54
